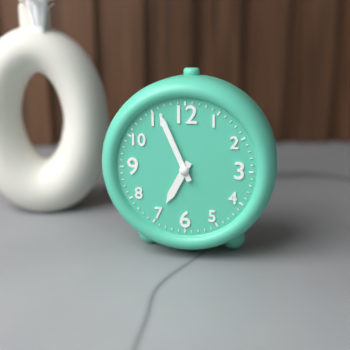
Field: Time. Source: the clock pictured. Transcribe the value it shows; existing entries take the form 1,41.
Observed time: 6,56
